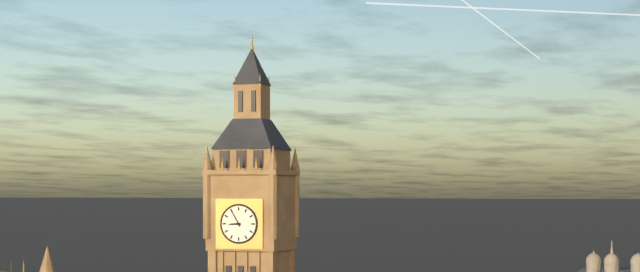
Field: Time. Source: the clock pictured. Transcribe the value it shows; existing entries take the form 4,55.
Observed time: 8,55
